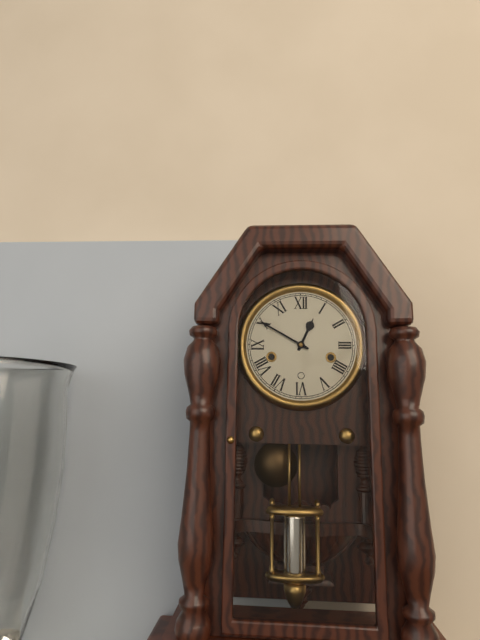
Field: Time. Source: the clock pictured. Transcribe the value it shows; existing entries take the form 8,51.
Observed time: 12,50
